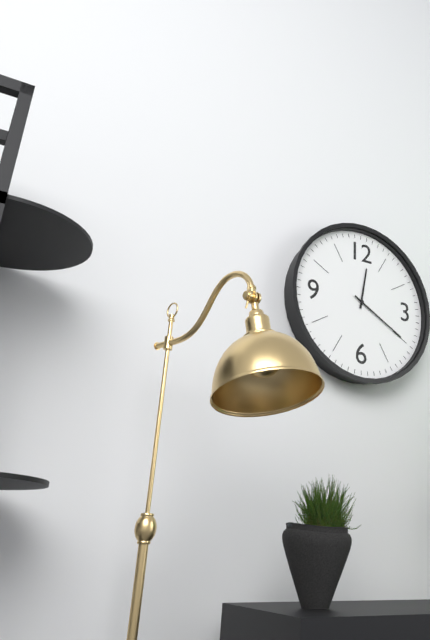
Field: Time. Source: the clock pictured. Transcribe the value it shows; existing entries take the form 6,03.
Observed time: 12,20
